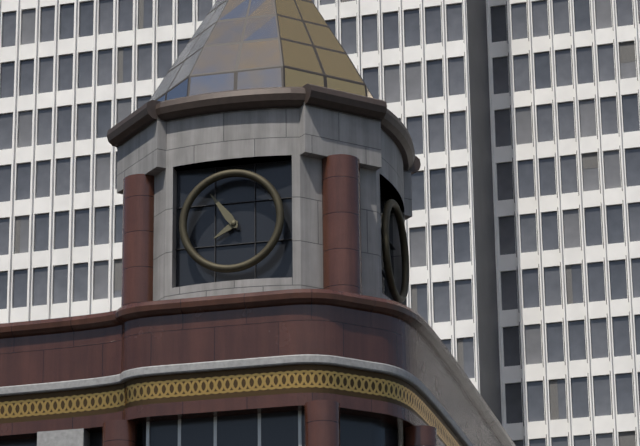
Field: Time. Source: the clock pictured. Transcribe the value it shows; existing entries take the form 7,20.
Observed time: 7,54
